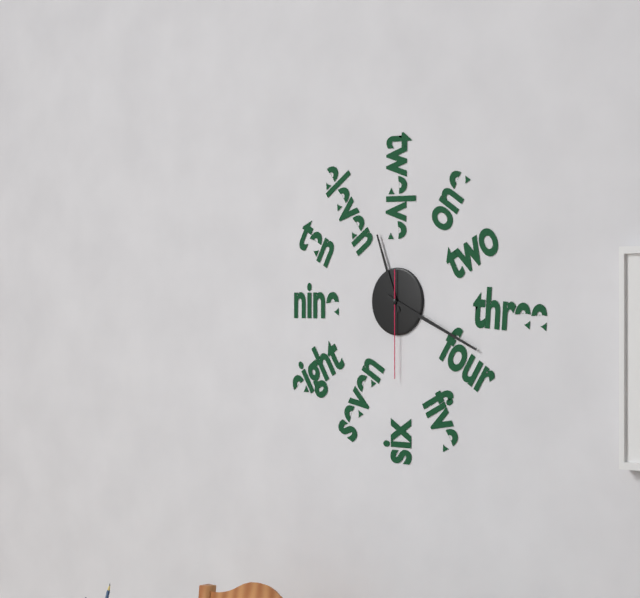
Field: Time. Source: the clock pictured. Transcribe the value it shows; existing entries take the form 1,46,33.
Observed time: 11,19,30
